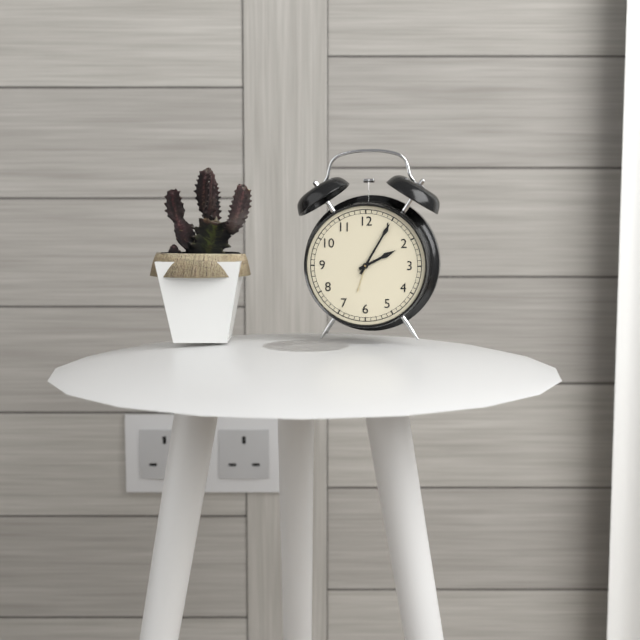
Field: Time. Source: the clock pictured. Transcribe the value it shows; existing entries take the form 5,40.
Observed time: 2,05
